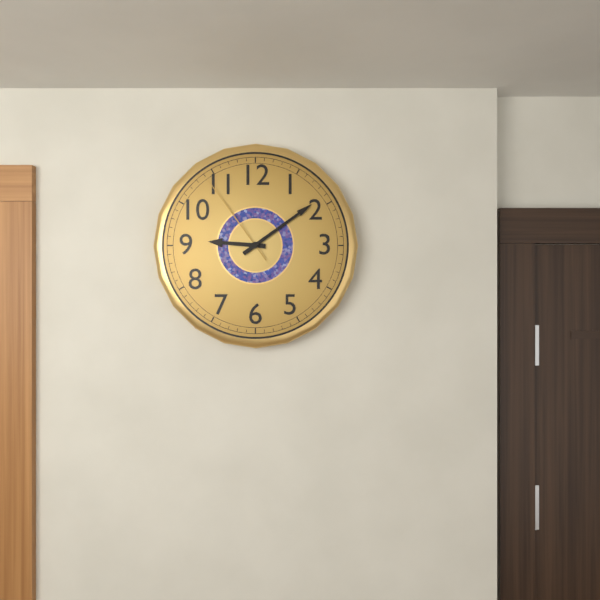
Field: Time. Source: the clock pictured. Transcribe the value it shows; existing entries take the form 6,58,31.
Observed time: 9,09,54
